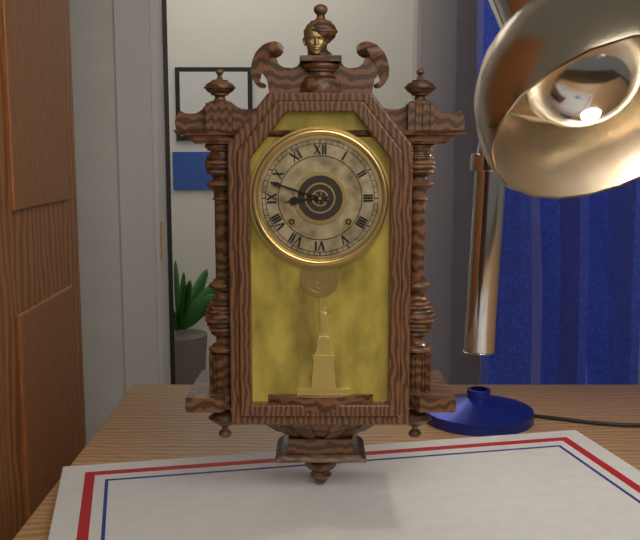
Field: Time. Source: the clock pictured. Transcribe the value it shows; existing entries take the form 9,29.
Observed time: 8,48
